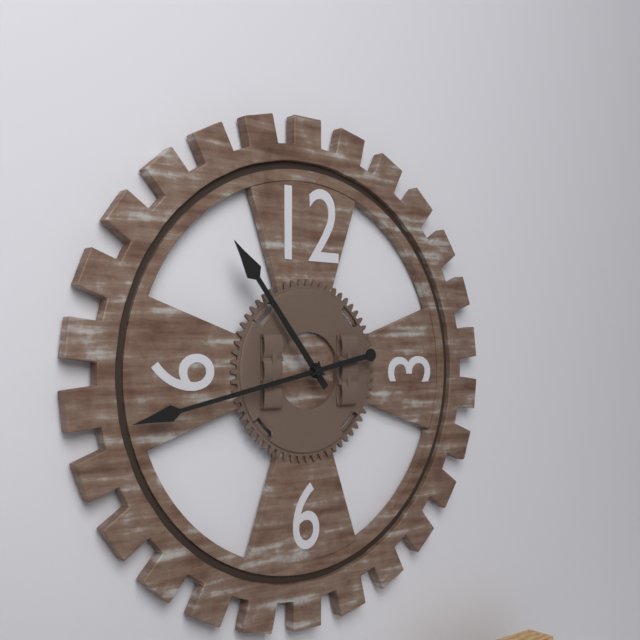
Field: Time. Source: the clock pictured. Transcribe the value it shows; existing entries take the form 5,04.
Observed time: 10,43
